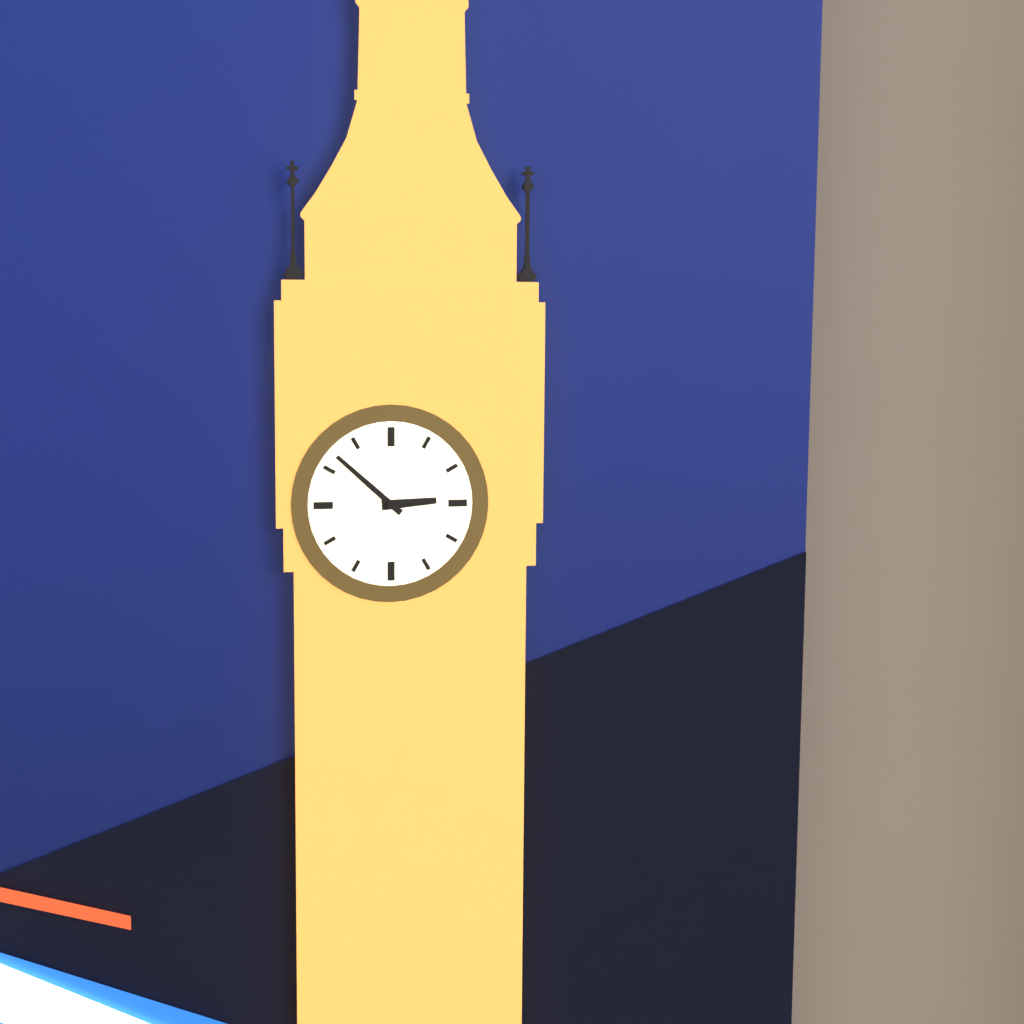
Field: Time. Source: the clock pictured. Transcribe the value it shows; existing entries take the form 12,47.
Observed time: 2,52
